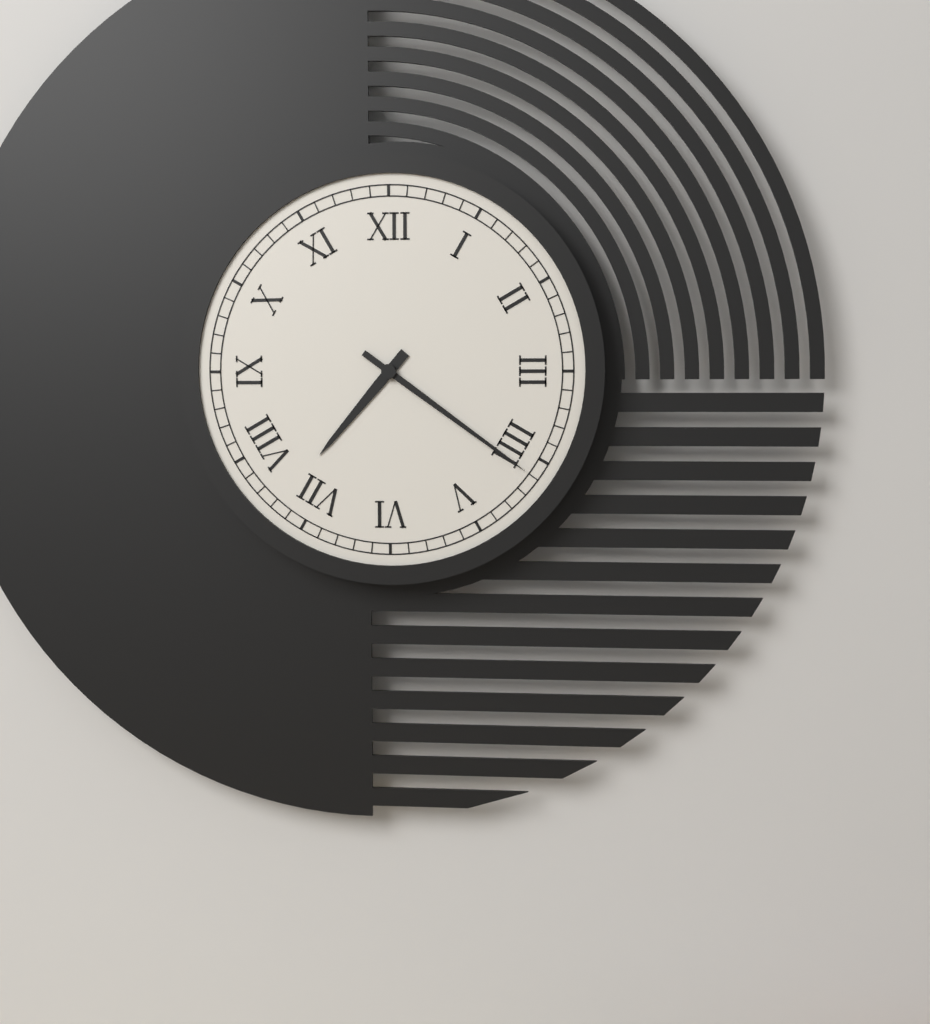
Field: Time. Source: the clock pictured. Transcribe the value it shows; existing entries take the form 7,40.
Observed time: 7,21
